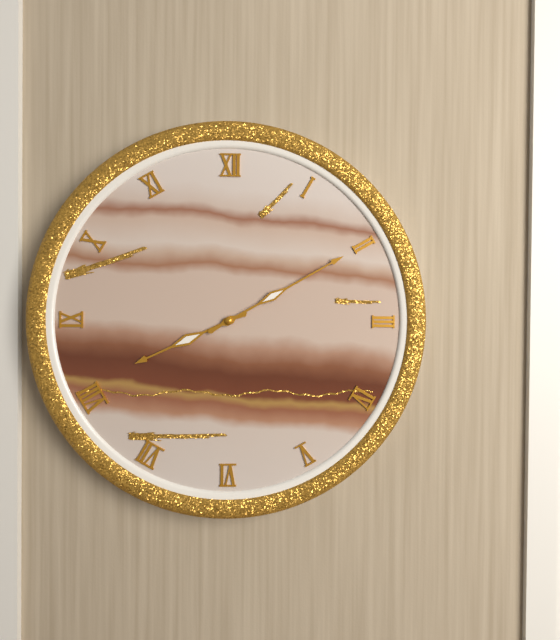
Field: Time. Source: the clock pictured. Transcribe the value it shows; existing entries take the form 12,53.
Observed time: 8,10
